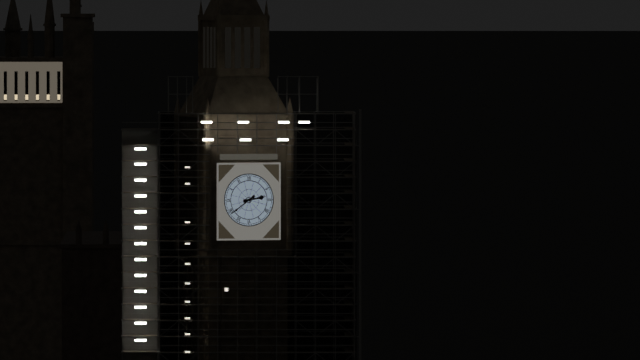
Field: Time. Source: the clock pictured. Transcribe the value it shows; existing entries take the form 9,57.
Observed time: 2,39
